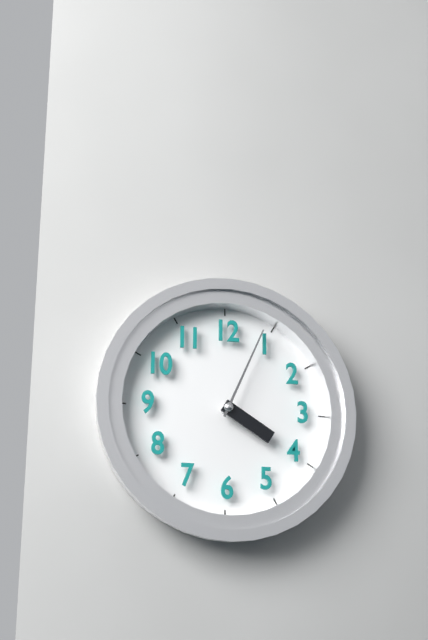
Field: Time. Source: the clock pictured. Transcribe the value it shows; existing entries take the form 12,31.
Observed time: 4,04
